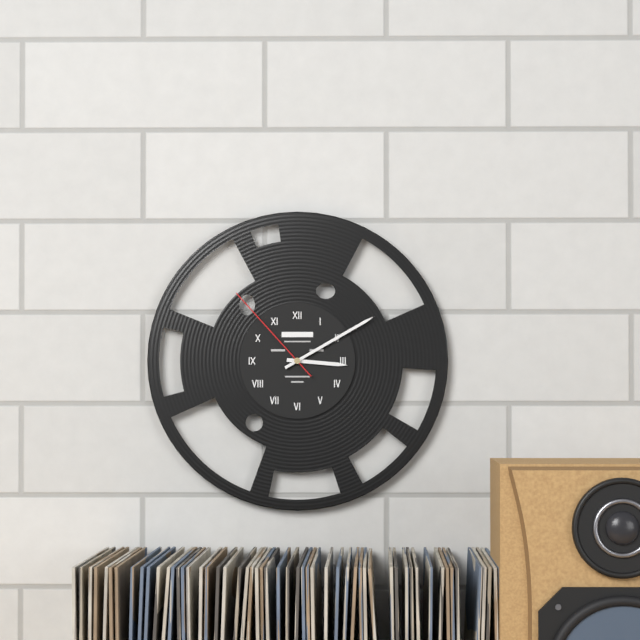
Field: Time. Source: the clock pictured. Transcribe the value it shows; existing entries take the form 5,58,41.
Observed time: 3,10,53
